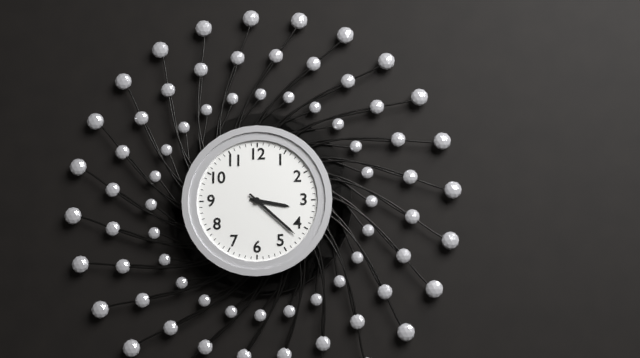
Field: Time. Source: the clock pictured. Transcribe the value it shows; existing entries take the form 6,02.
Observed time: 3,22
